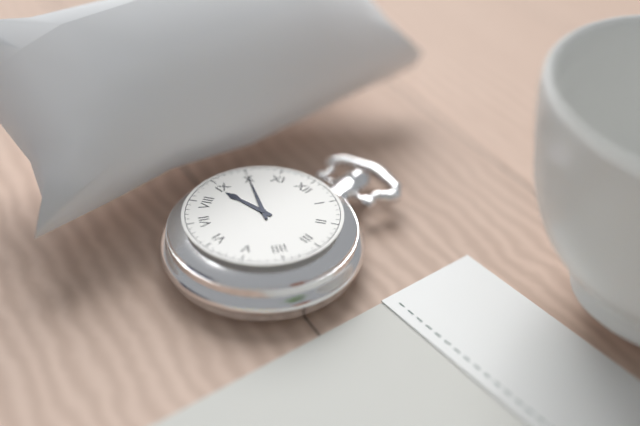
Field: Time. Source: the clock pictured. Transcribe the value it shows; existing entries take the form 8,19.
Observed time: 8,50
